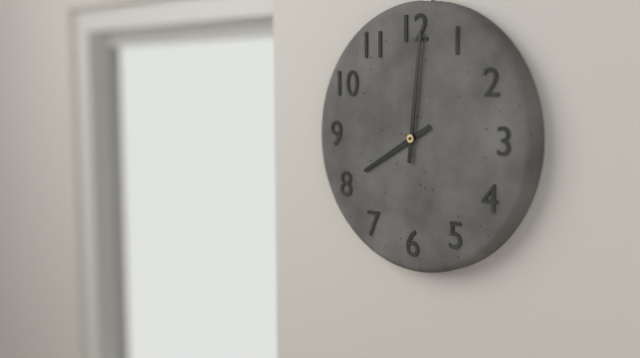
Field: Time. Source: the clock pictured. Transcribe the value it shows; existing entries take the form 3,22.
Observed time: 8,01
